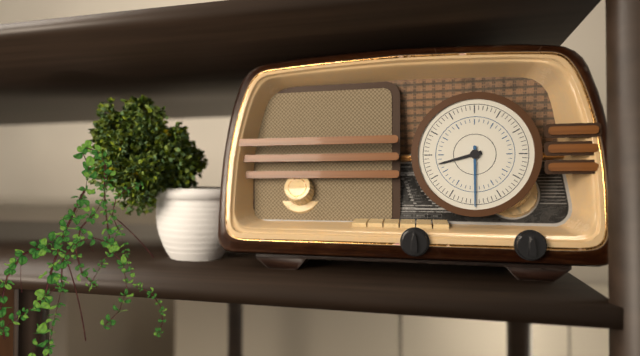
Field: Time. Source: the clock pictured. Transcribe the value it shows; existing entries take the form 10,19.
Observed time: 8,30
